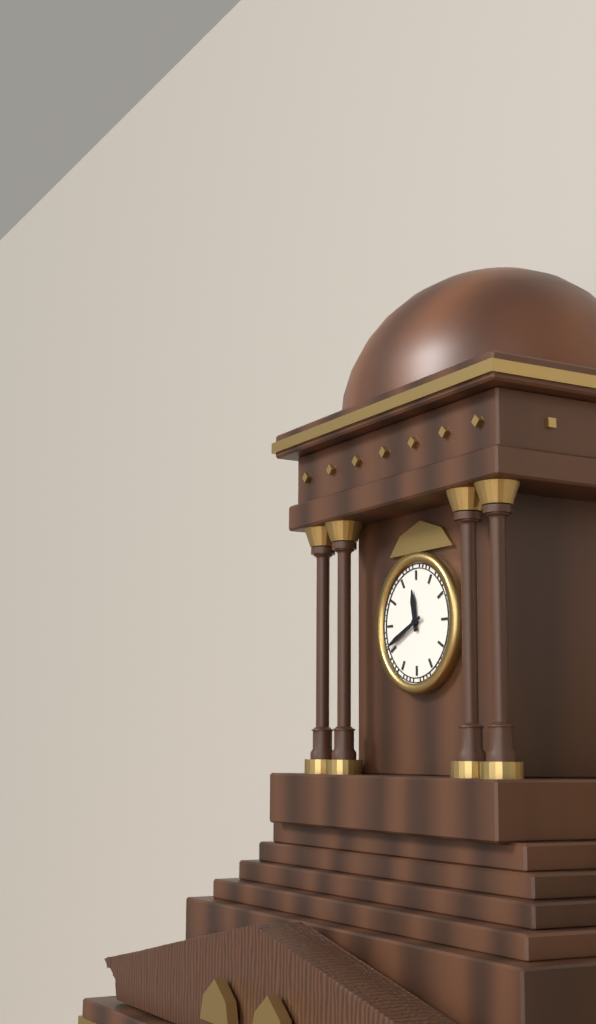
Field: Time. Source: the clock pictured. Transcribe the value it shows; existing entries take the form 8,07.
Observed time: 11,41
